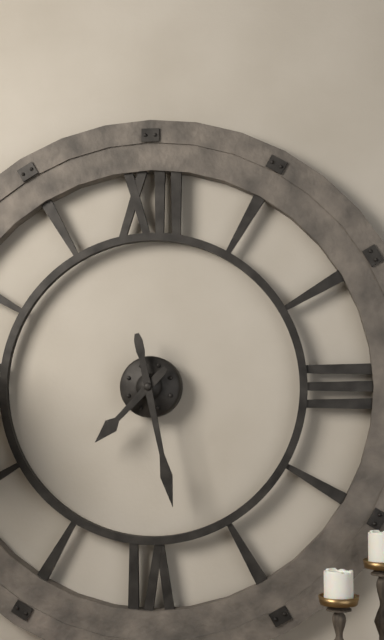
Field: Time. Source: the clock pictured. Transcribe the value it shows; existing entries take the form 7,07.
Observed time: 7,28
